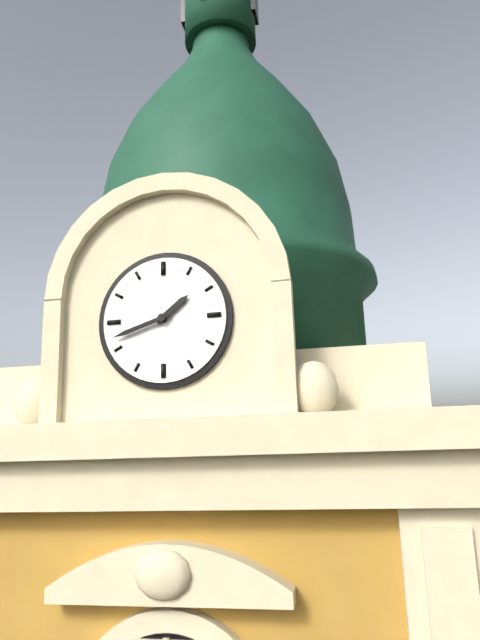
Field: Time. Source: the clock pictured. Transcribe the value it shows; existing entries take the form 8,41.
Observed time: 1,42
